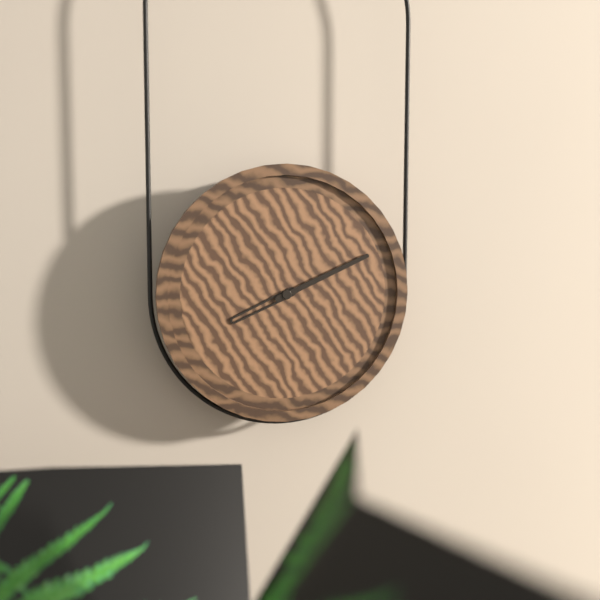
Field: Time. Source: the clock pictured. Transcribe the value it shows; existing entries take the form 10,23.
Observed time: 8,11
